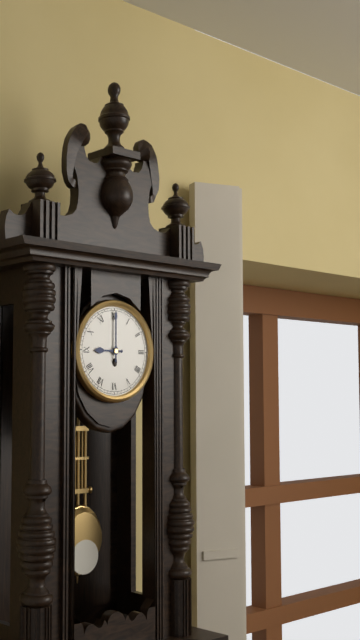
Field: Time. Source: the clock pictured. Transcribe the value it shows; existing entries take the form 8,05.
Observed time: 9,00
